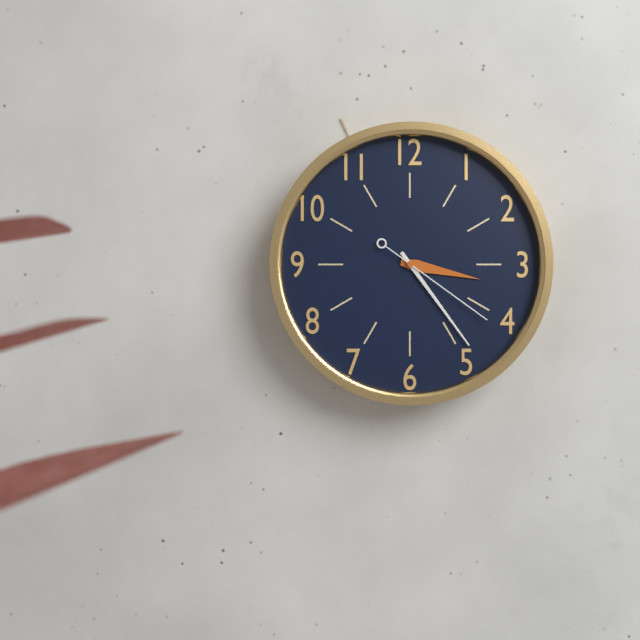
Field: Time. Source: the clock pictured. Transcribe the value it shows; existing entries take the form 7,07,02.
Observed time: 3,24,21
